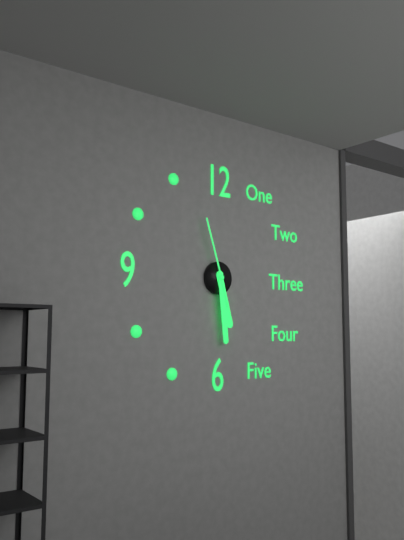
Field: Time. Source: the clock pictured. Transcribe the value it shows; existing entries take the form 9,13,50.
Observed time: 5,29,57
